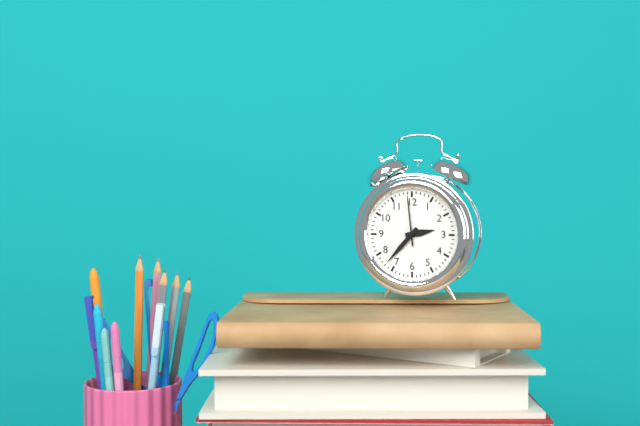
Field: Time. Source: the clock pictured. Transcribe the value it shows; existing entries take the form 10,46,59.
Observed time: 2,37,59
